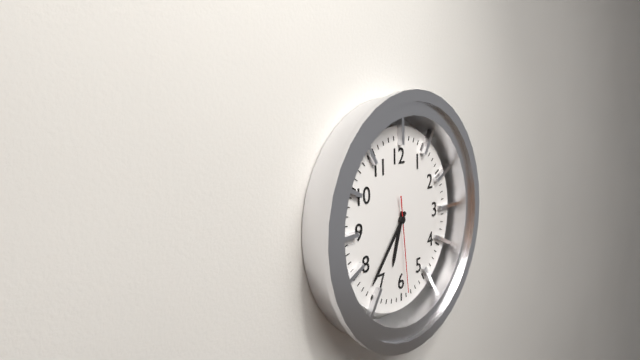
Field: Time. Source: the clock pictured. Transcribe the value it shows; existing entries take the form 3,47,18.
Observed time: 6,37,29
